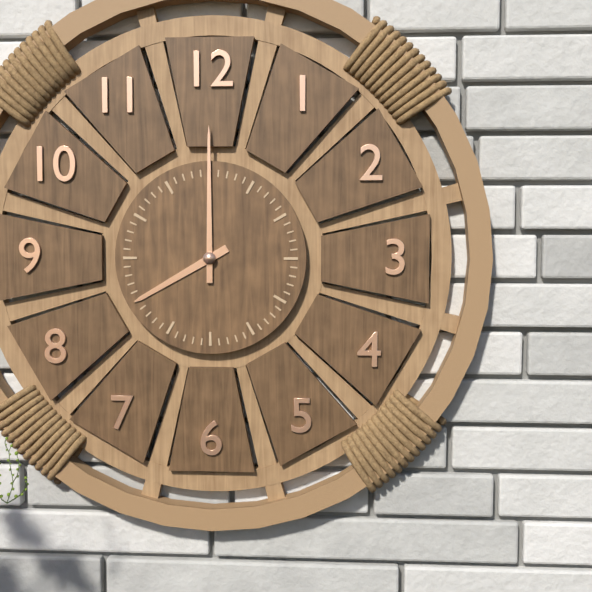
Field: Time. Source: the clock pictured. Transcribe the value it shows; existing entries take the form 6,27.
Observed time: 8,00
